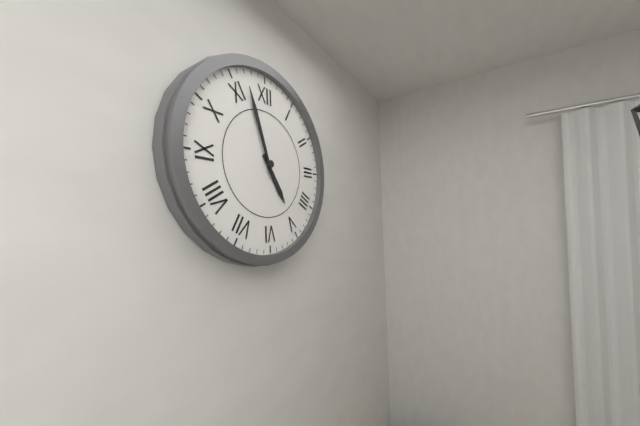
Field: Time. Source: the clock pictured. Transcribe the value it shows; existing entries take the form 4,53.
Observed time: 4,57
